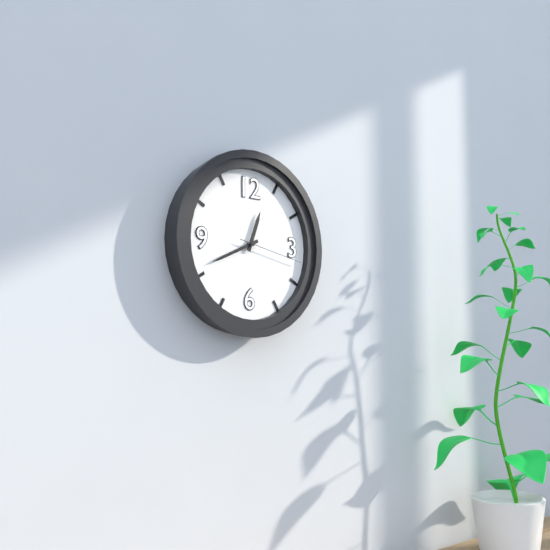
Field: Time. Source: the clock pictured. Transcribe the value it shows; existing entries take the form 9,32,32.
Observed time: 12,41,17
